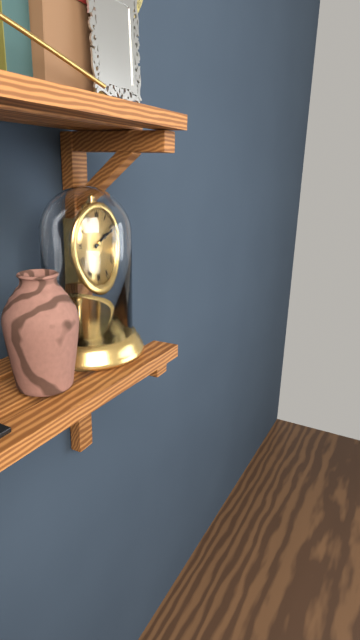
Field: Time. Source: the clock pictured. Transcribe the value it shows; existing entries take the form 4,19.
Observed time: 2,11
